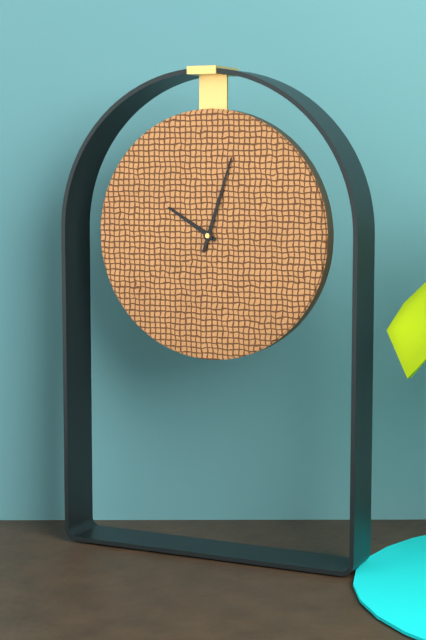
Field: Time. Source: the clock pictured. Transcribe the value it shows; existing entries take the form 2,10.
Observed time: 10,03
